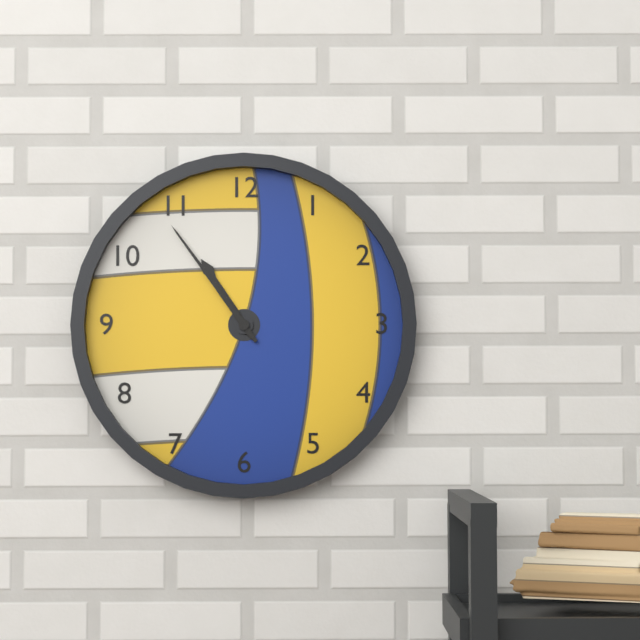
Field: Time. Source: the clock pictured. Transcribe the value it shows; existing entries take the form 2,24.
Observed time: 10,54
